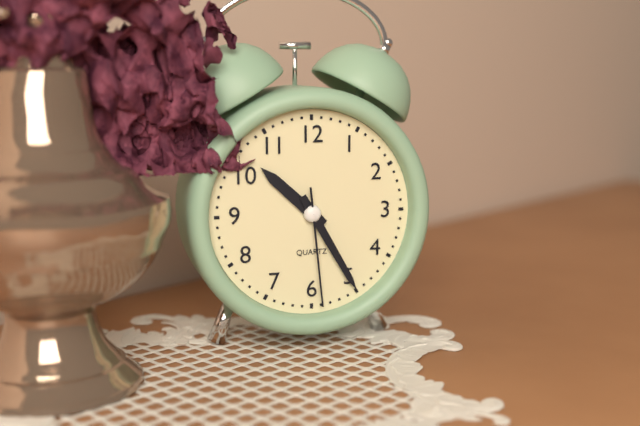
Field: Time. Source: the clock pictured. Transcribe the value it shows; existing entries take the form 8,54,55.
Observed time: 10,25,29
